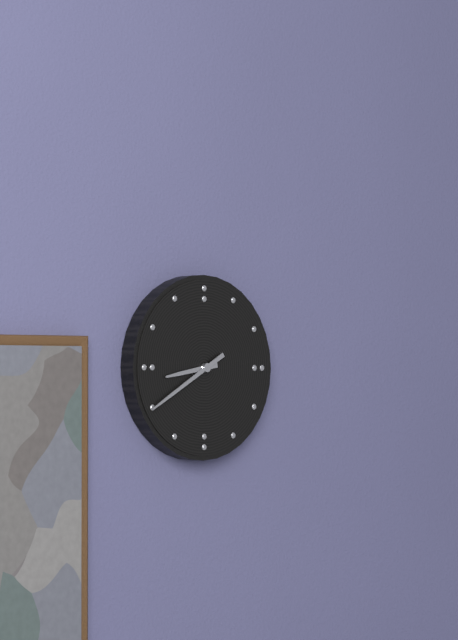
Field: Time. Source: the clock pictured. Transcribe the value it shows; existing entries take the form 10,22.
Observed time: 8,40
